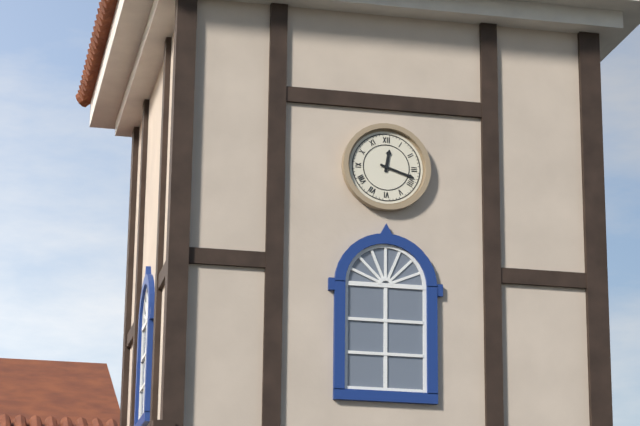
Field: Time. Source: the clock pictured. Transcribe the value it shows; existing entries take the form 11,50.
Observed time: 12,18
